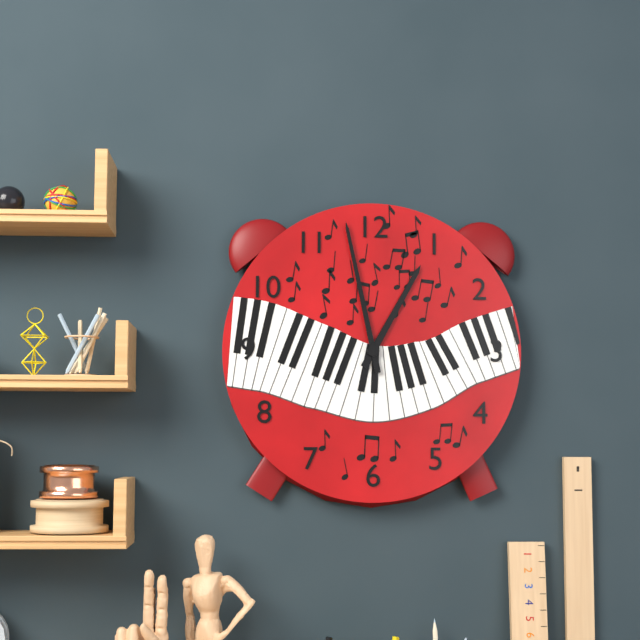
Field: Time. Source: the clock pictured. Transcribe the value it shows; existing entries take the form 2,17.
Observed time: 12,58
